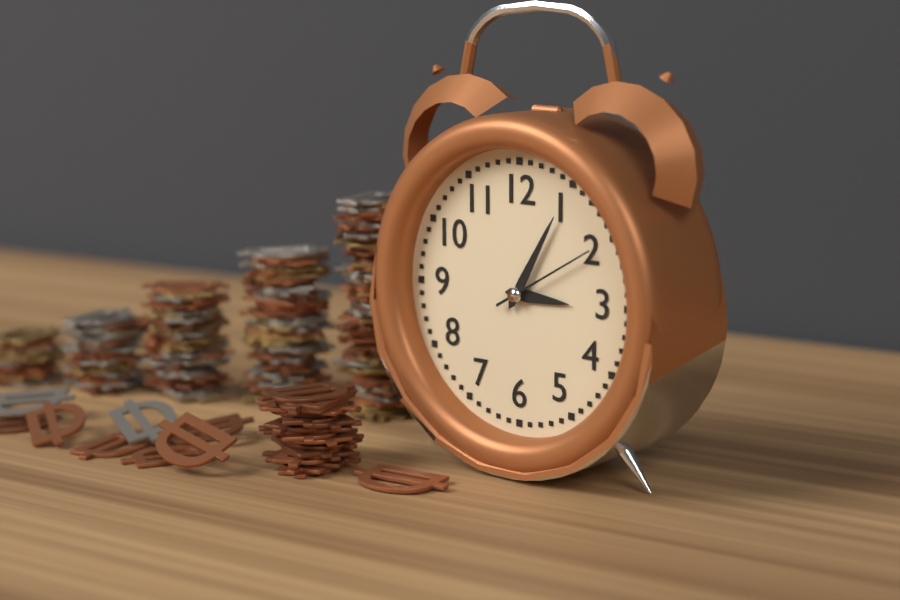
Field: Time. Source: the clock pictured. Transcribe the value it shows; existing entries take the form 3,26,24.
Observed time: 3,05,10
